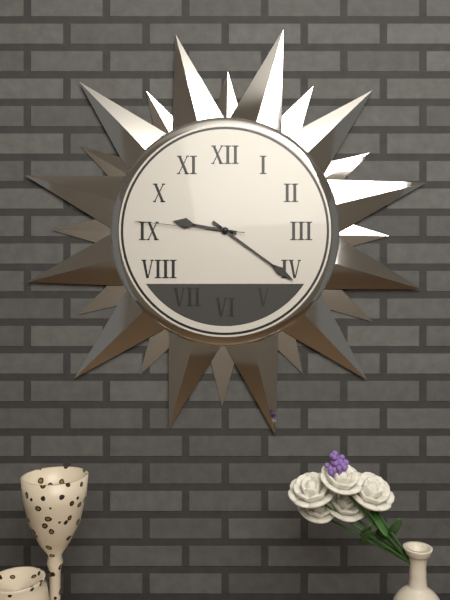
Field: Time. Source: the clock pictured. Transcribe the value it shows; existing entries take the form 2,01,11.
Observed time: 9,21,46
